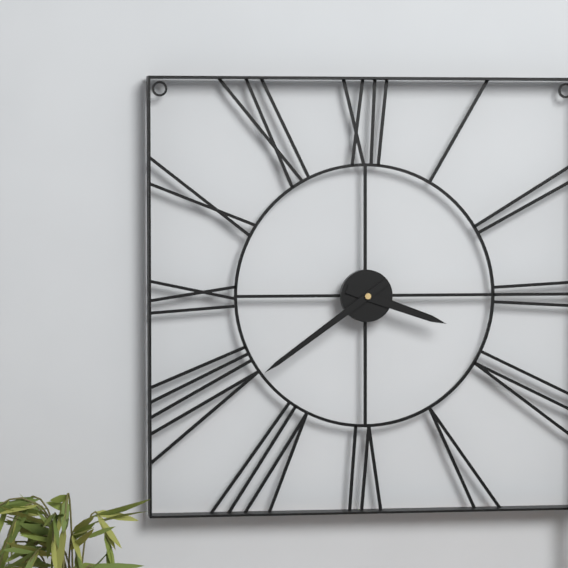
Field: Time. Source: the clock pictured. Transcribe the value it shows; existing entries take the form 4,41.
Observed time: 3,39
